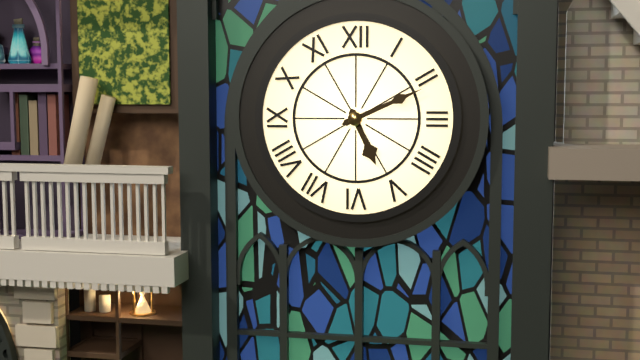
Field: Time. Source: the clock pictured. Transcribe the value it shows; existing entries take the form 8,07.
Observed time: 5,11
